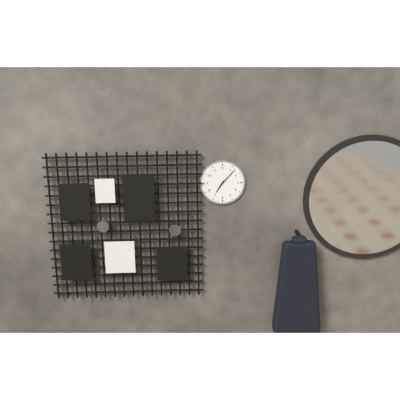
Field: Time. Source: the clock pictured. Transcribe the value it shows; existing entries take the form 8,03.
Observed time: 7,07
